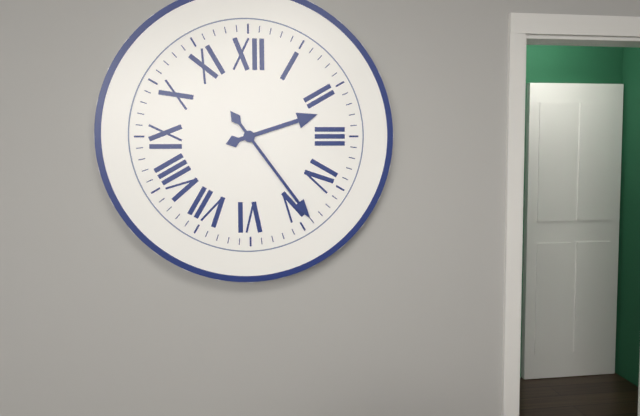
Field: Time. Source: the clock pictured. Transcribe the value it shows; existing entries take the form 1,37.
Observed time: 2,24
